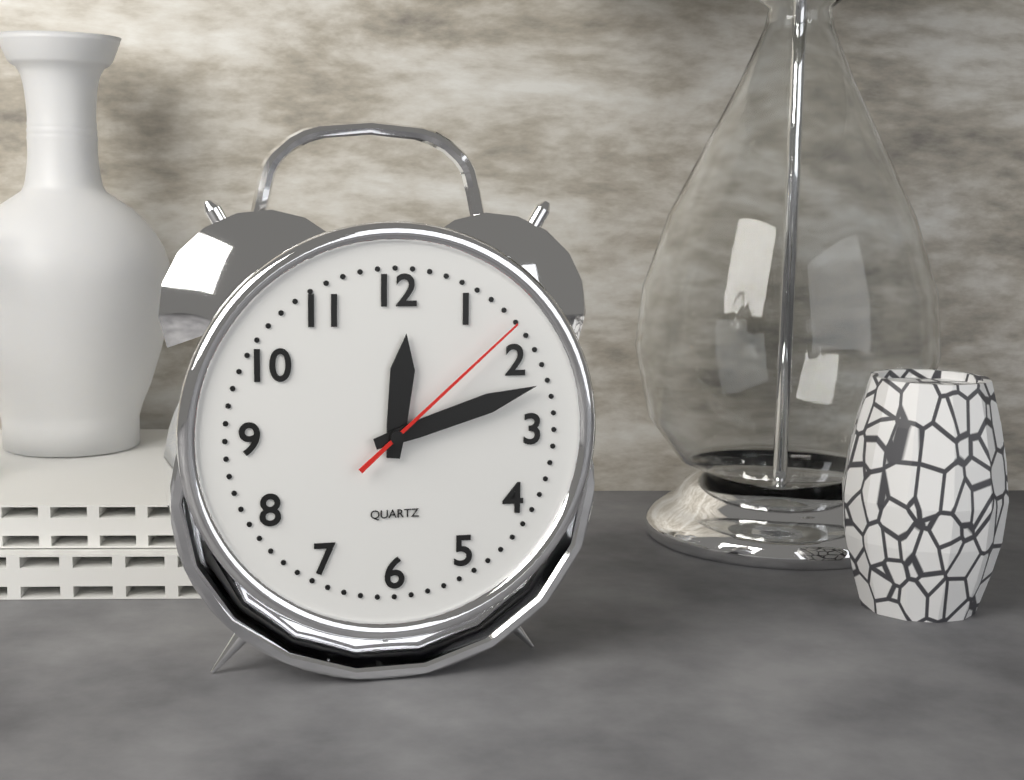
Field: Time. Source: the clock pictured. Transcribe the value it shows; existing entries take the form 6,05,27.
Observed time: 12,12,08
